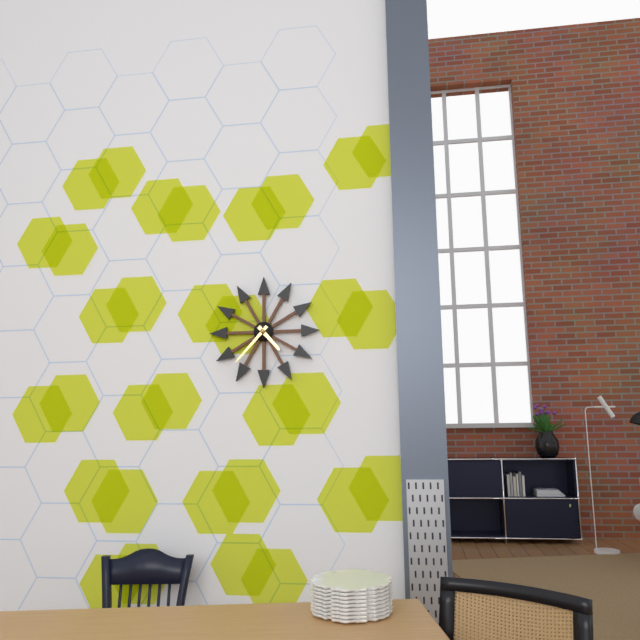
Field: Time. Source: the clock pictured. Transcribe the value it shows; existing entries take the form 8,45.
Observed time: 4,37
